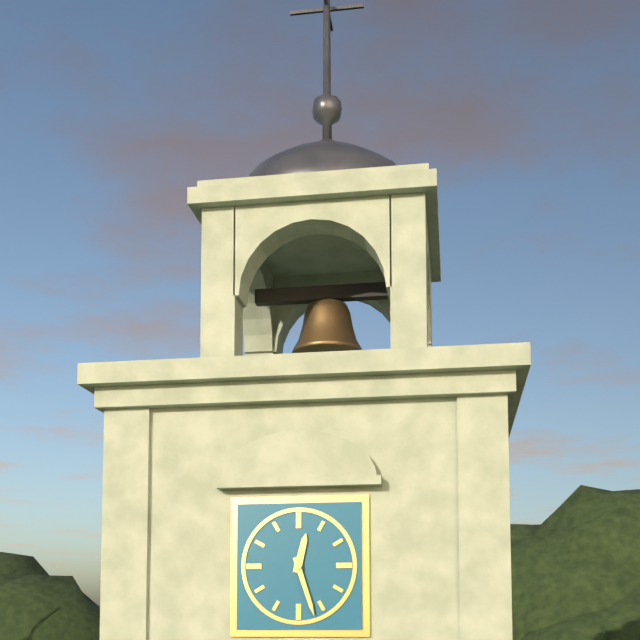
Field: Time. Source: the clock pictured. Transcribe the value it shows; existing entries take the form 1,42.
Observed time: 12,27
